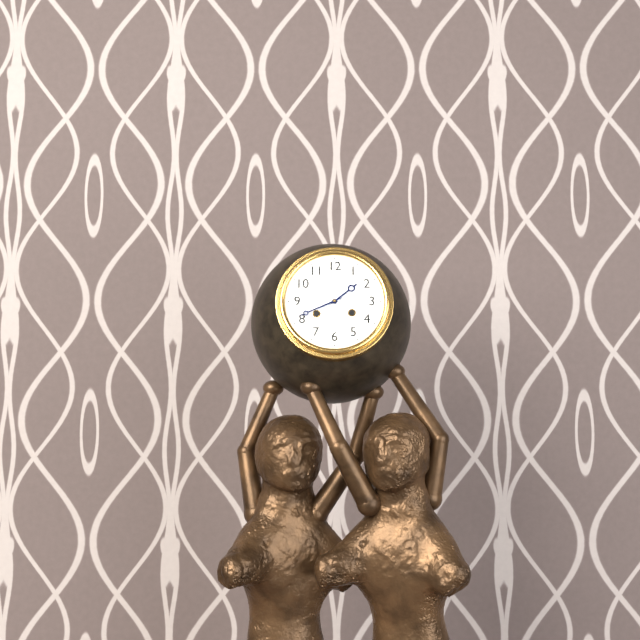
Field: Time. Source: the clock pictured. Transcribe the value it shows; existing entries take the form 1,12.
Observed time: 1,41
